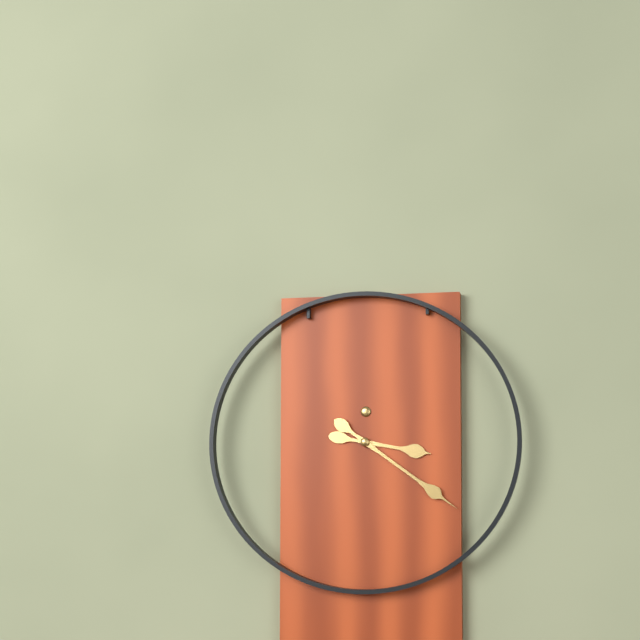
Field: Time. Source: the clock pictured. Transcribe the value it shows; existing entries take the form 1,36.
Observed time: 3,21
